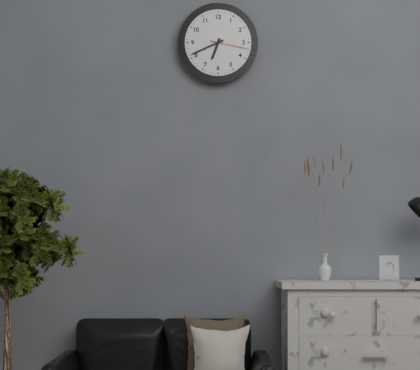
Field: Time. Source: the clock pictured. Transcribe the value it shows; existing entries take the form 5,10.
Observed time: 6,41
